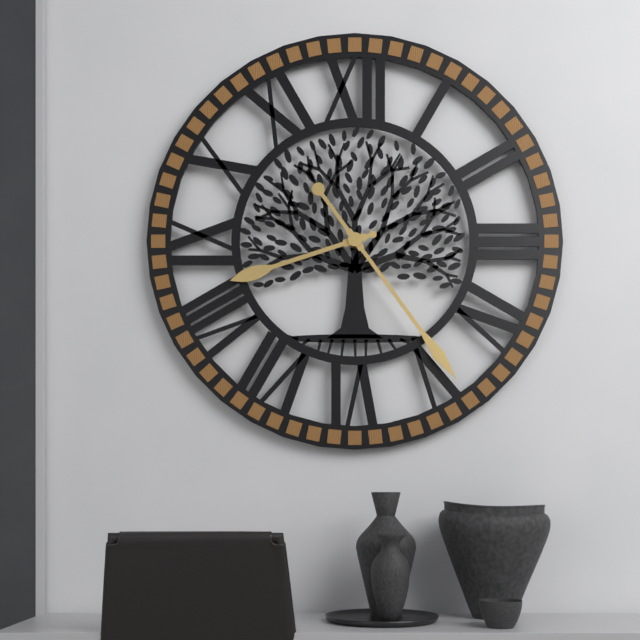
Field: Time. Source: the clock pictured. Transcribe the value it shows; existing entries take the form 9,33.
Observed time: 8,24
